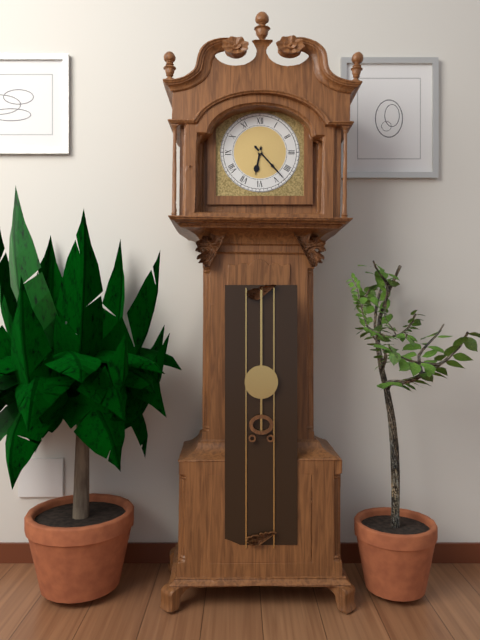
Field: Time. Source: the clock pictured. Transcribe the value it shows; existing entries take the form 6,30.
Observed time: 6,23
